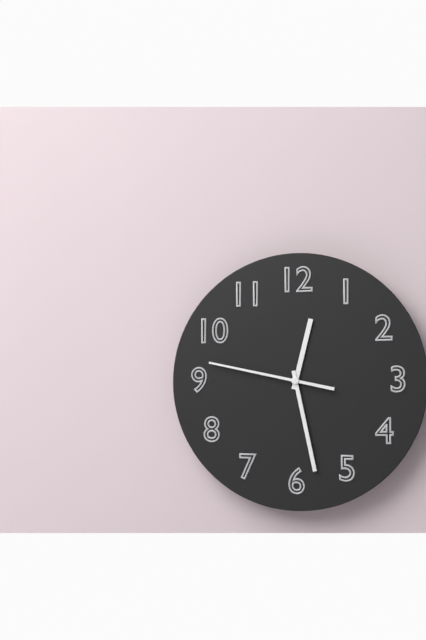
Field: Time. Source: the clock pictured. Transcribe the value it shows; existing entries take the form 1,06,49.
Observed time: 12,28,47
